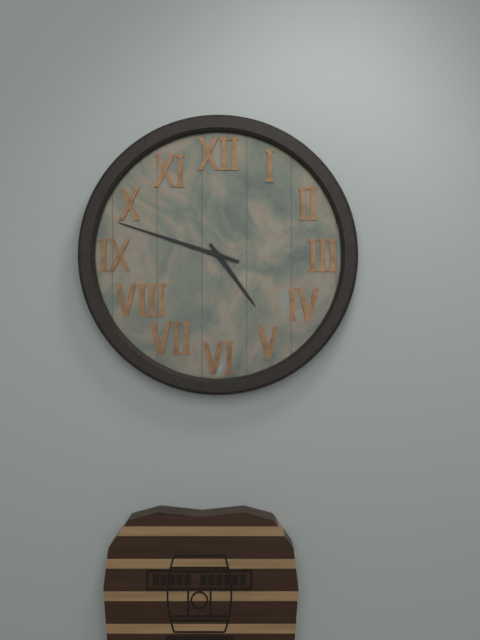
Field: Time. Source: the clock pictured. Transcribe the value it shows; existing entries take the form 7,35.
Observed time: 4,48
